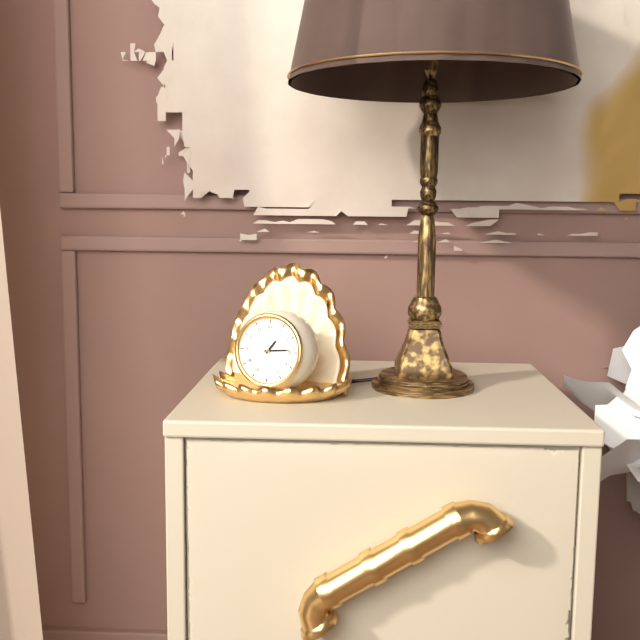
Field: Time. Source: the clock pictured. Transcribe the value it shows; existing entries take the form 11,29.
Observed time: 1,14
